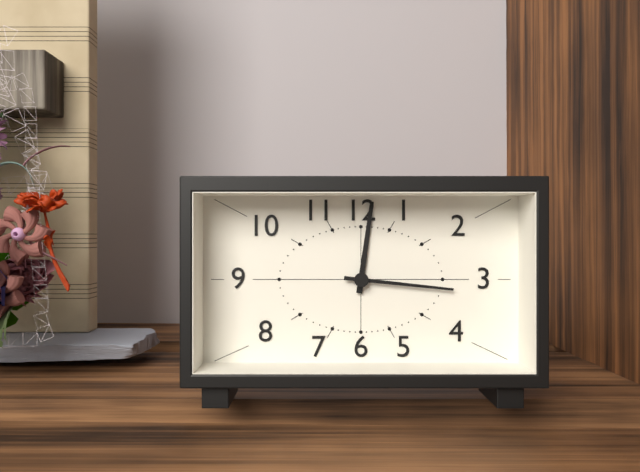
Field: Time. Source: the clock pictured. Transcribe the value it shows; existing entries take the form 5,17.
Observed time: 12,16
